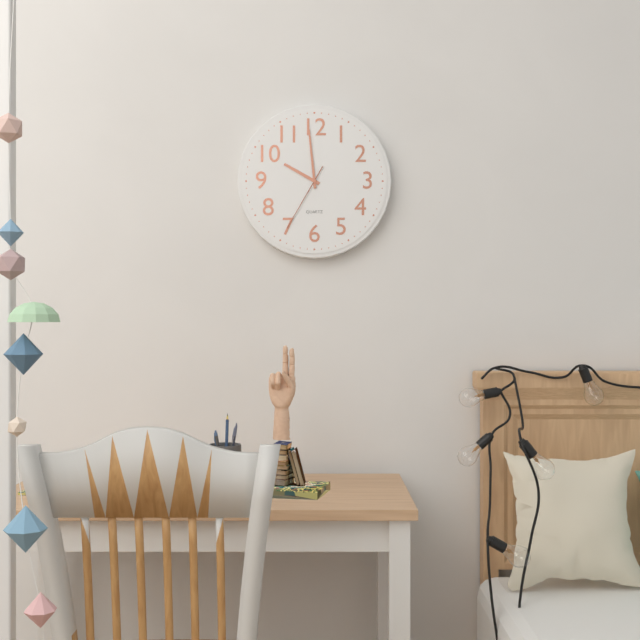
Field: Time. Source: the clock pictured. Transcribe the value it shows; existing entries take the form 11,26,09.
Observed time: 9,59,35
